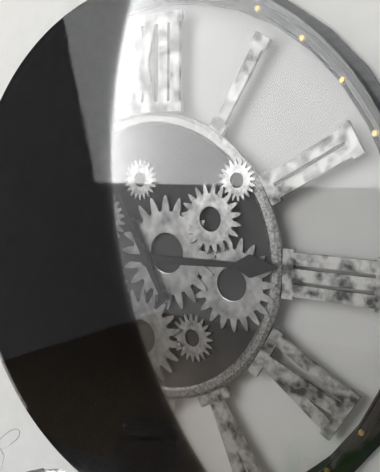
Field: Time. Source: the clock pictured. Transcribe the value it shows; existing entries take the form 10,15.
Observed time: 2,55
